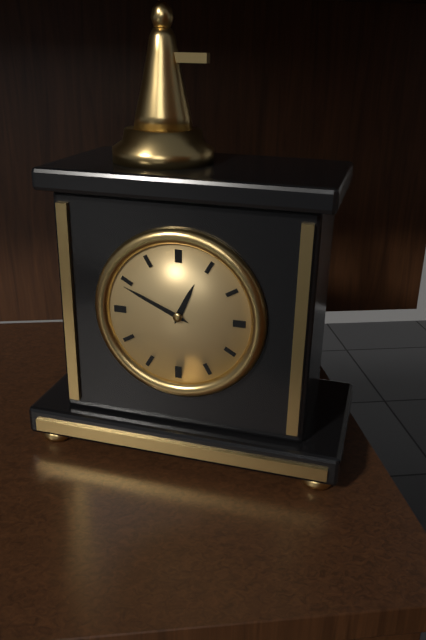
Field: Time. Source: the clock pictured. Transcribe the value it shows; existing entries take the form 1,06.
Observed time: 12,49
